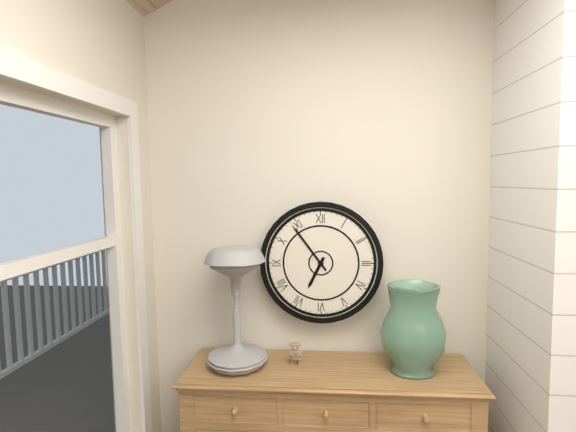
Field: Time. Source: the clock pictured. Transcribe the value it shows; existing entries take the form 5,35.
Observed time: 6,54
